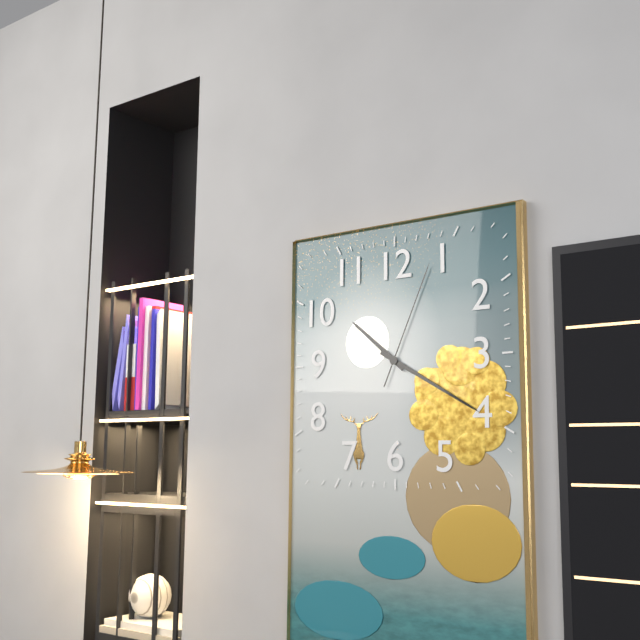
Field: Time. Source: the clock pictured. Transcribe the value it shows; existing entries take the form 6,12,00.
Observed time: 10,20,04
